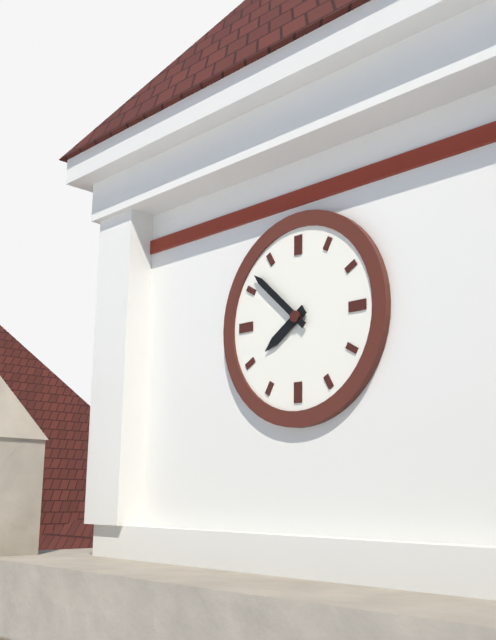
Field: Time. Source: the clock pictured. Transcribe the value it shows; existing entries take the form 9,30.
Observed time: 7,52
